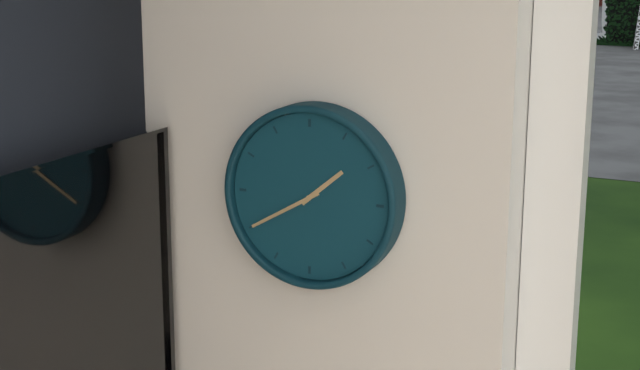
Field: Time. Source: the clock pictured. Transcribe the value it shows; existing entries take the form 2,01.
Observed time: 1,40
